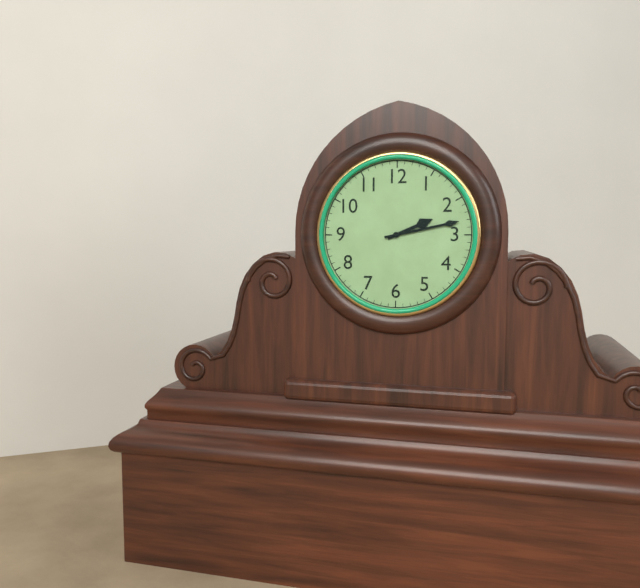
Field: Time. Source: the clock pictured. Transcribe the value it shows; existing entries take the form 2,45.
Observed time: 2,13
